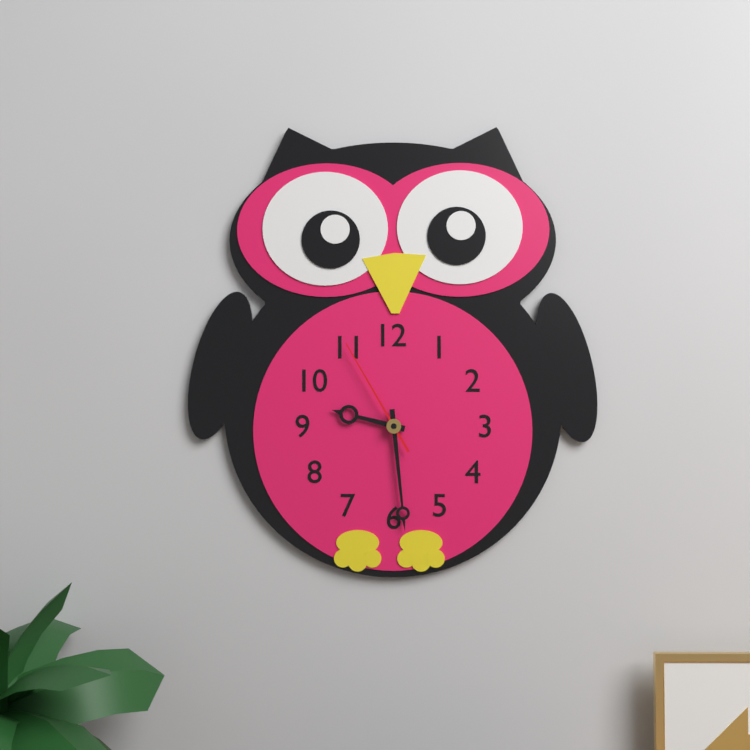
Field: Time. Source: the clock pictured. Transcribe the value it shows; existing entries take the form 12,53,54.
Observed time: 9,29,55
